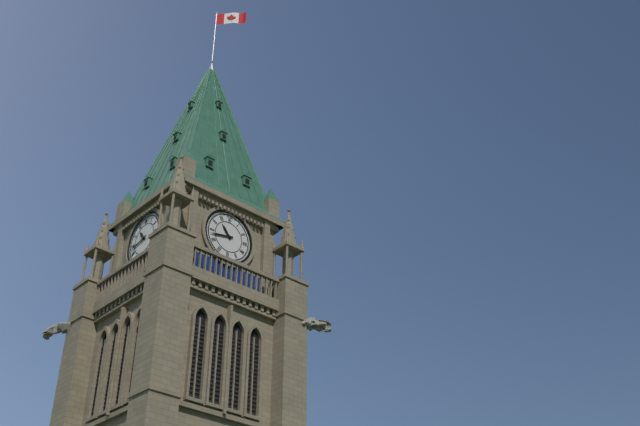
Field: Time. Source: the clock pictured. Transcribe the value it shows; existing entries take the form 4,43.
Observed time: 10,43
